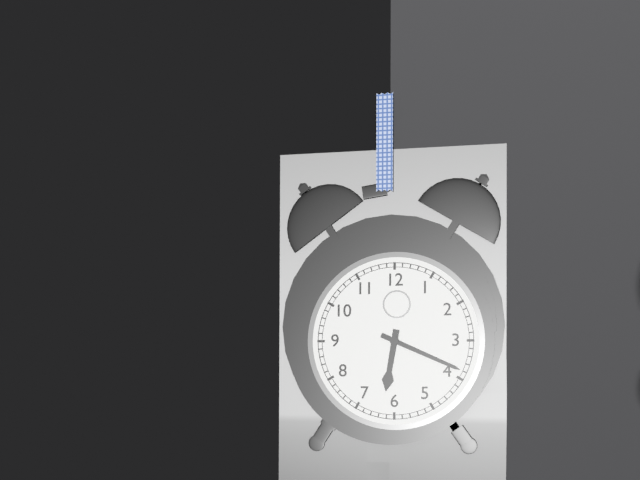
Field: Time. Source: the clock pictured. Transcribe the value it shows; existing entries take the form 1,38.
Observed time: 6,19
